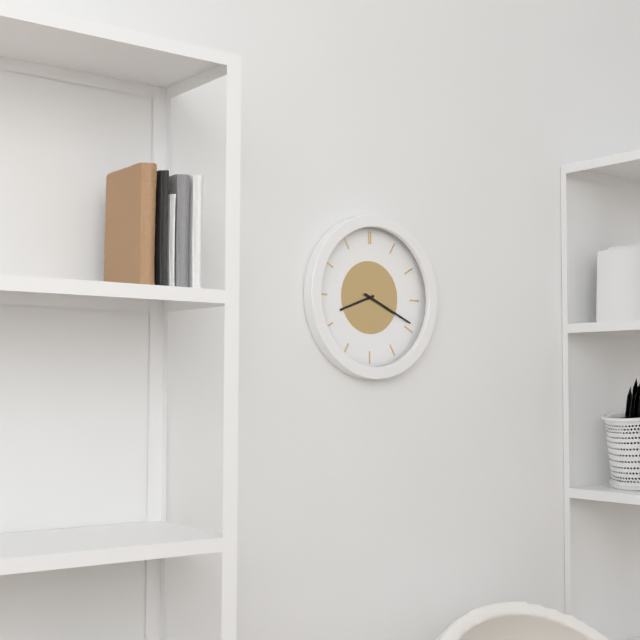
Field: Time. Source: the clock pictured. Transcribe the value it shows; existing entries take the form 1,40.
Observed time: 8,19
